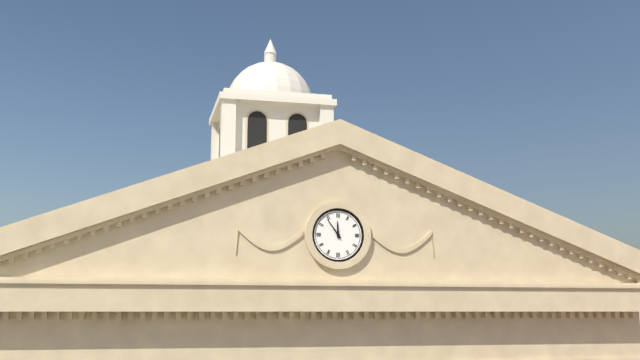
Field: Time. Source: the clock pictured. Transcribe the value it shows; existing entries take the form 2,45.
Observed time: 11,54
